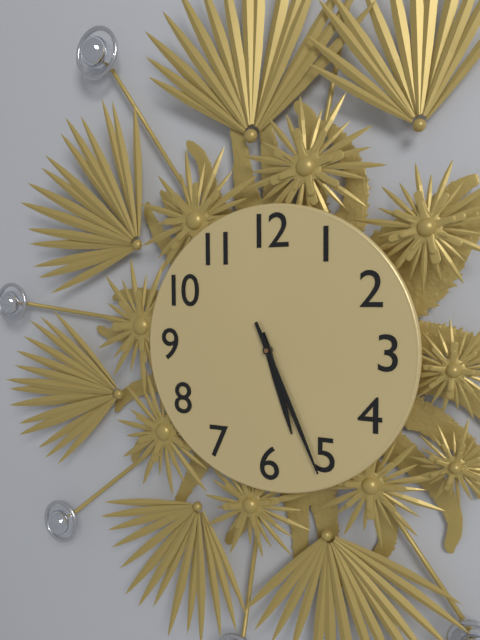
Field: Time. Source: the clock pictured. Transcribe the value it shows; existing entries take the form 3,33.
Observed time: 5,26
